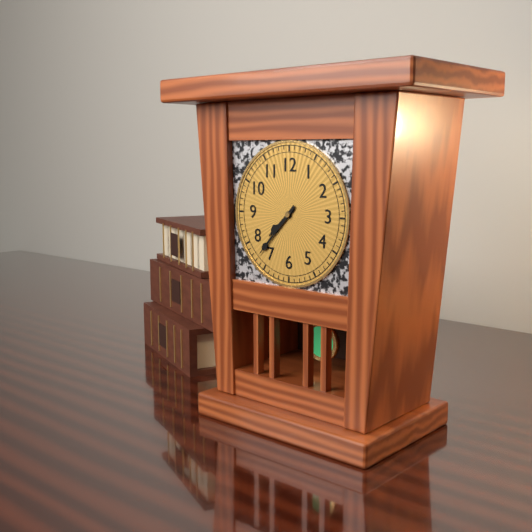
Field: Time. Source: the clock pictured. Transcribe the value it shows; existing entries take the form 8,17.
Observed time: 7,37
